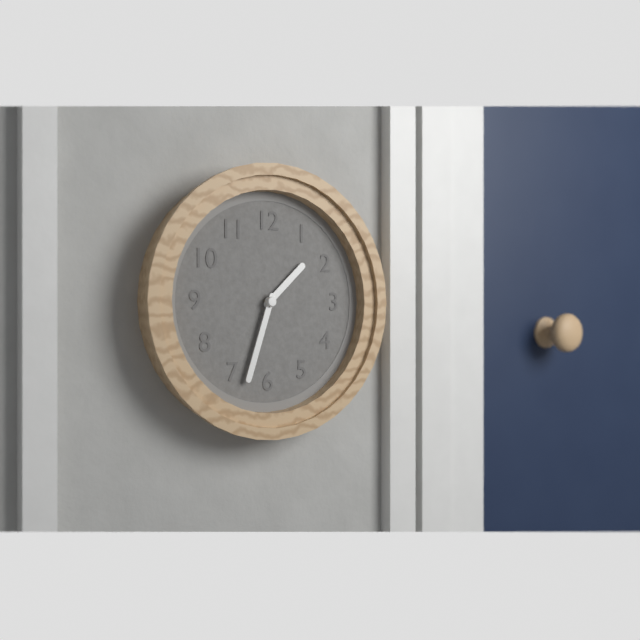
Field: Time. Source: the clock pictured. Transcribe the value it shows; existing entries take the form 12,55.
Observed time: 1,33
